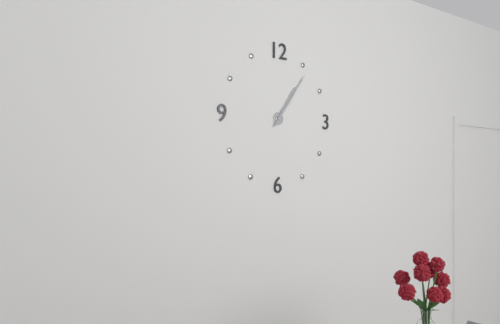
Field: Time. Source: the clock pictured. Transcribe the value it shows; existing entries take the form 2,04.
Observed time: 1,06
